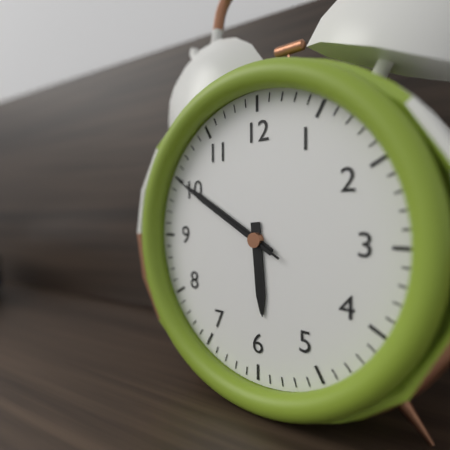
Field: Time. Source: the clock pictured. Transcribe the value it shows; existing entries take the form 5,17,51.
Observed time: 5,50,50
